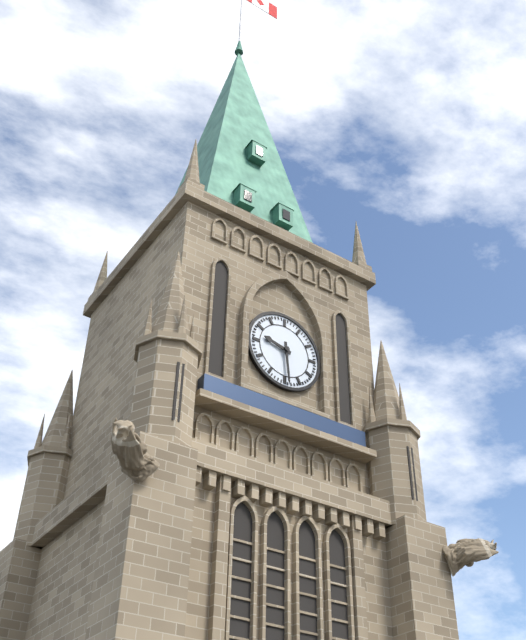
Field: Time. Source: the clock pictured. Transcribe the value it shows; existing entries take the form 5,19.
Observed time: 9,29
